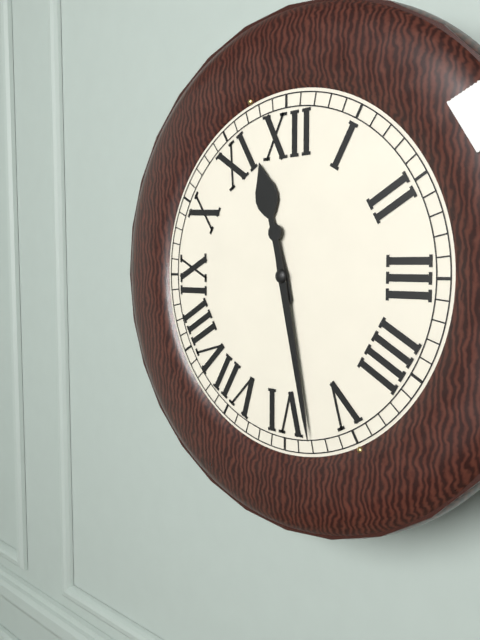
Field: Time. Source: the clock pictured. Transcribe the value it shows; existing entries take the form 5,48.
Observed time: 11,28
